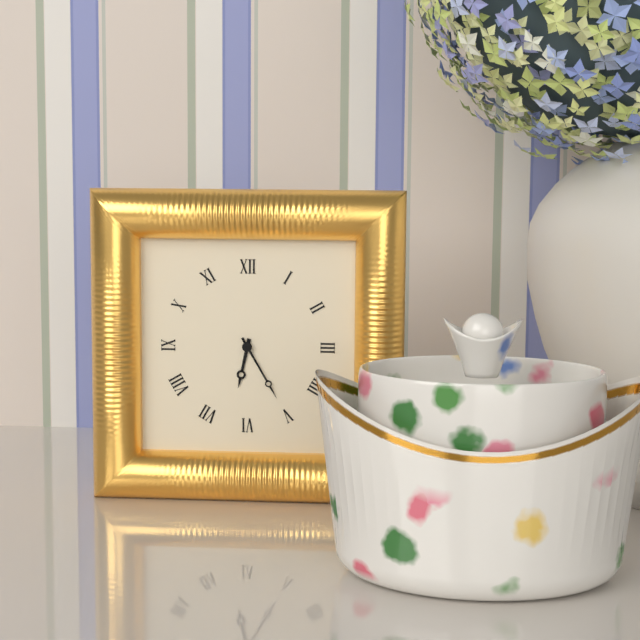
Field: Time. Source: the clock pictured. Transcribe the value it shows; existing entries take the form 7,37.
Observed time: 6,25
